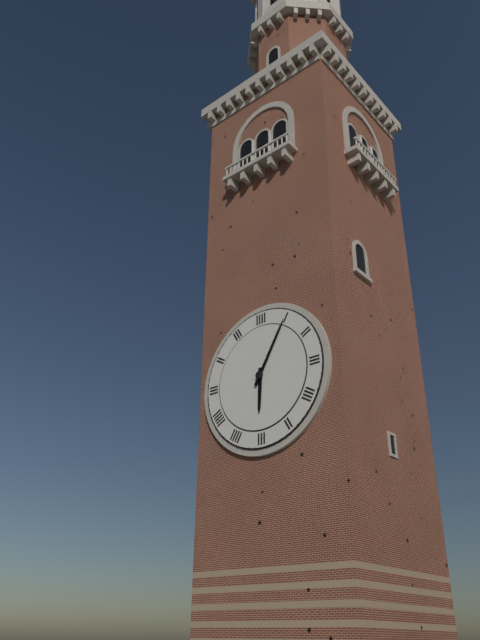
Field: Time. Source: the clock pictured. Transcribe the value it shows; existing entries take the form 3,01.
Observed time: 6,05
